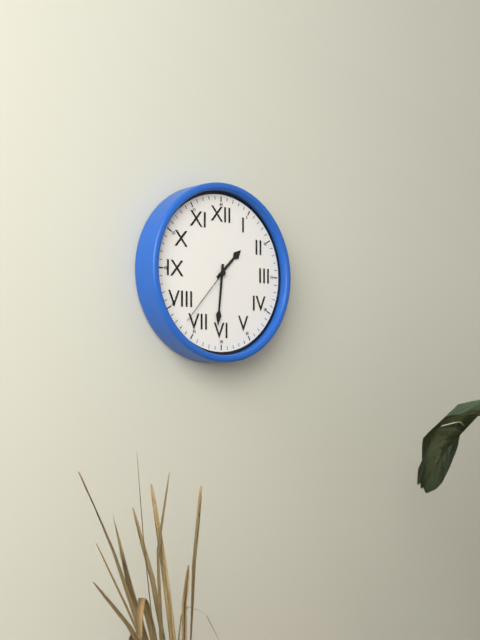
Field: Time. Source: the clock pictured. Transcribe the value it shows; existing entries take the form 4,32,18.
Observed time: 1,31,37
